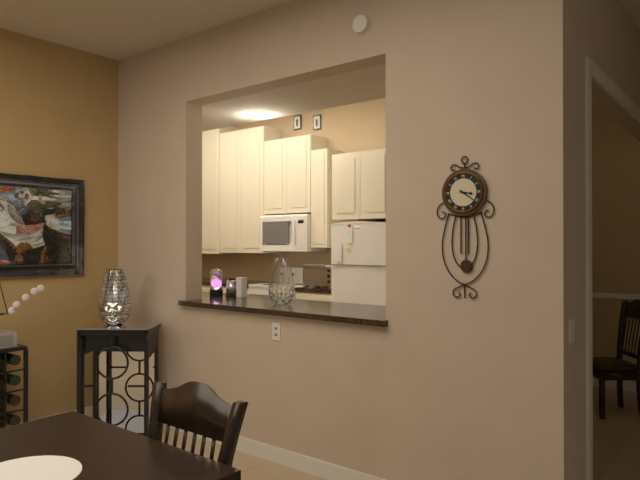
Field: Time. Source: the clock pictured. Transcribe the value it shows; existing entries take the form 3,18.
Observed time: 3,21
